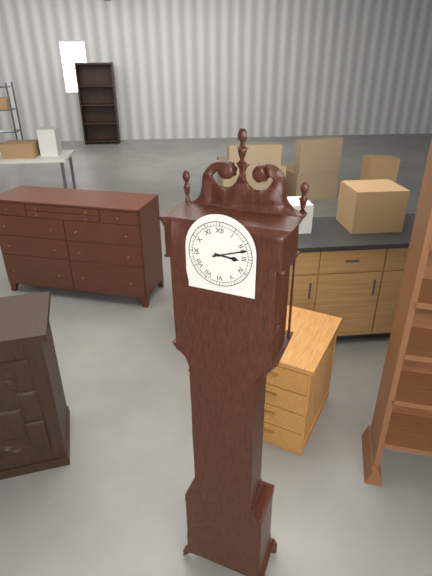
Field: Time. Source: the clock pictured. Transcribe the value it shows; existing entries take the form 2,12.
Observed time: 3,12
